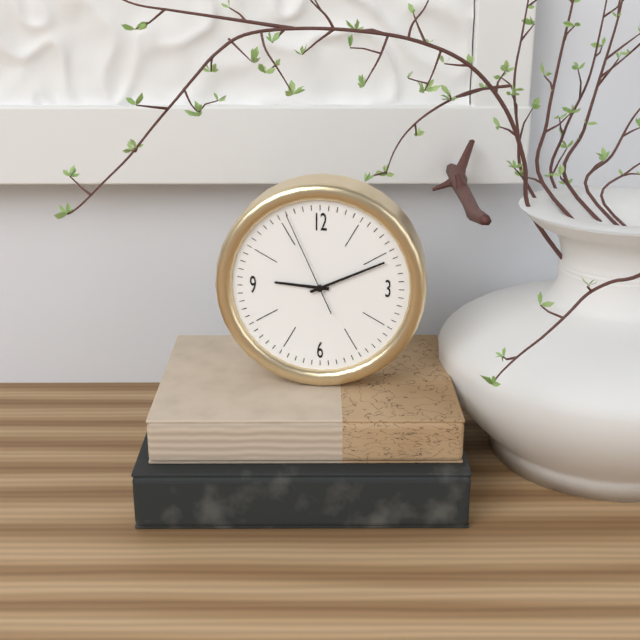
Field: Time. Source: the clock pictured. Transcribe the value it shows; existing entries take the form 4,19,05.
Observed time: 9,11,56
